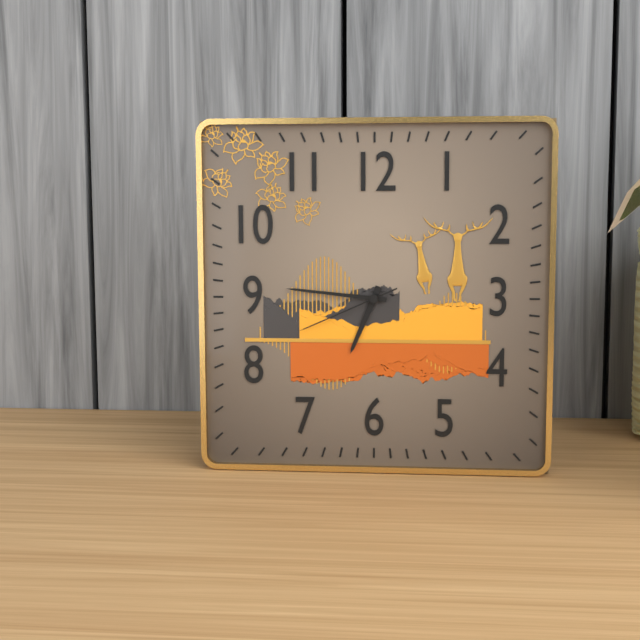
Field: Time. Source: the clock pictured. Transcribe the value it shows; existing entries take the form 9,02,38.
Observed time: 6,46,41
